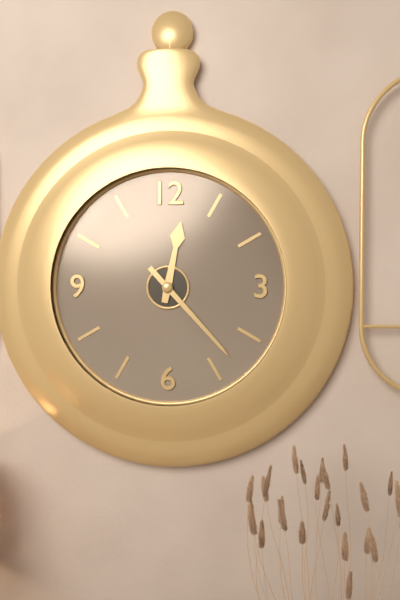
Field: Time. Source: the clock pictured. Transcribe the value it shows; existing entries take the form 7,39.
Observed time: 12,23
